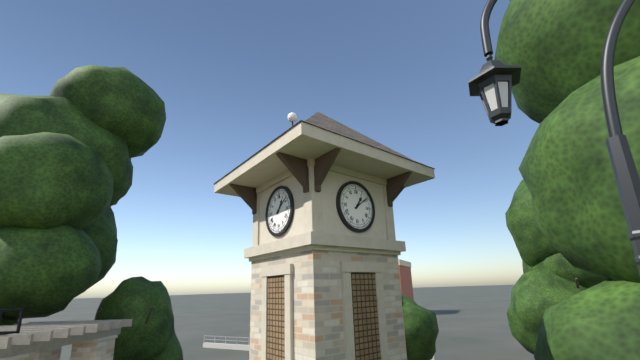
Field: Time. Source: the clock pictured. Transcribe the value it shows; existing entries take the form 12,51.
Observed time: 1,09
